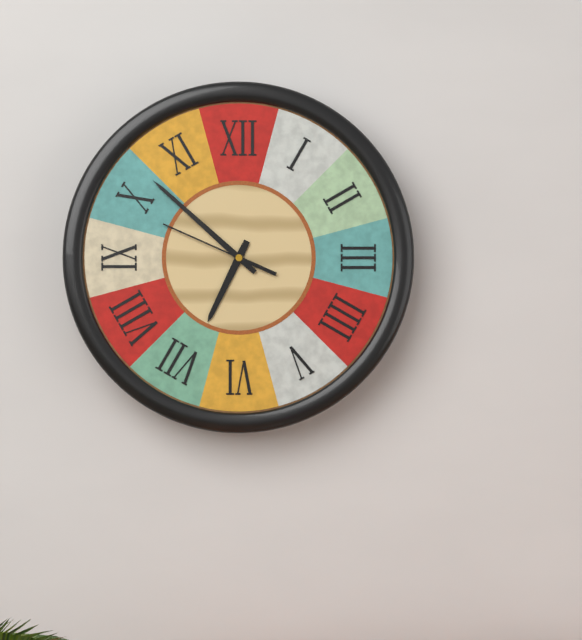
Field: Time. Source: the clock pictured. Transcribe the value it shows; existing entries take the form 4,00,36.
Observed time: 6,52,49
